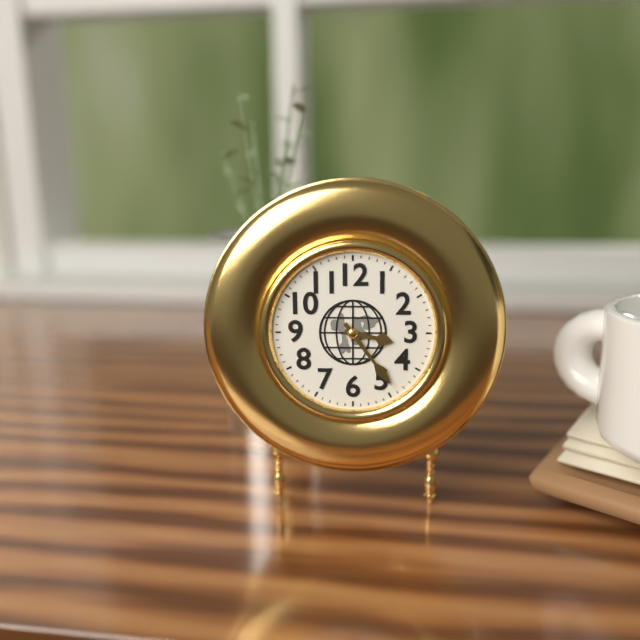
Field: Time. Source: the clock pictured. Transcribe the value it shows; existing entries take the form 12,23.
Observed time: 3,24
